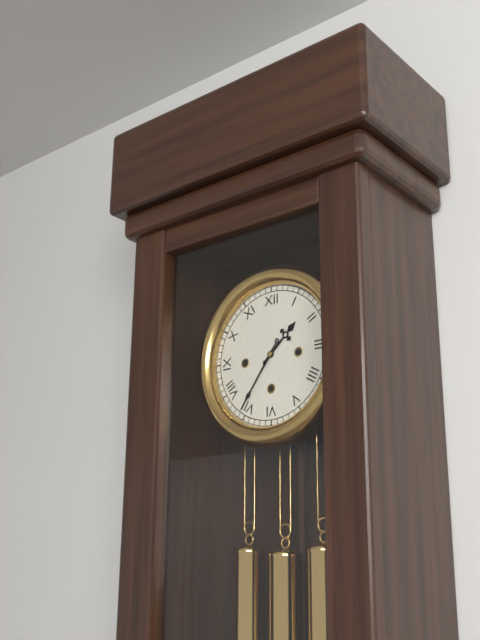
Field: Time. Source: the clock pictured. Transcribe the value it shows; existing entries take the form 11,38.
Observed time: 1,36
